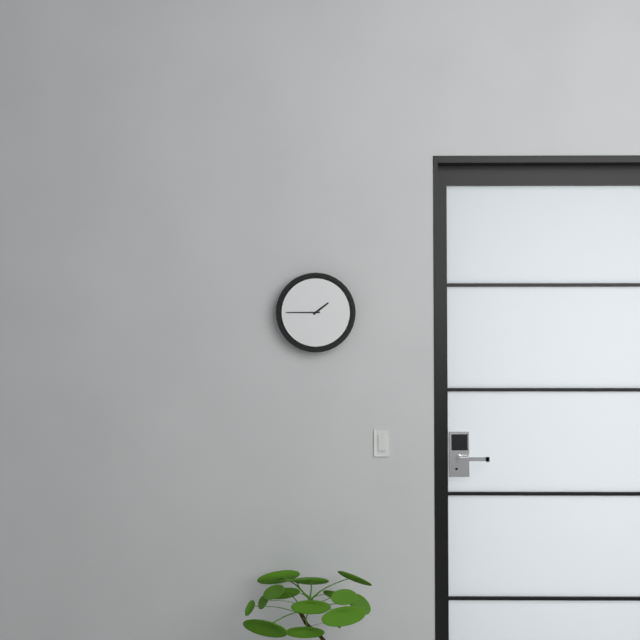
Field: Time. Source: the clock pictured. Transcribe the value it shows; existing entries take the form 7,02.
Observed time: 1,45
